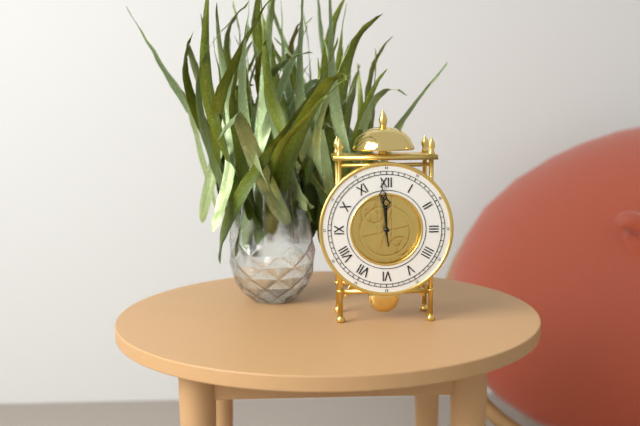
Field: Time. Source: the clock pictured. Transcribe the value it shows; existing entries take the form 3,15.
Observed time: 11,59
